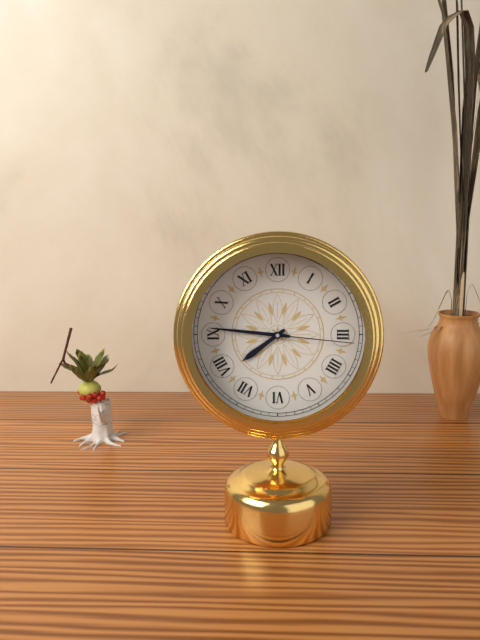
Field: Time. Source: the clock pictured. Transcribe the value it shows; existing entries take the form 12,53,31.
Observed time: 7,46,16
